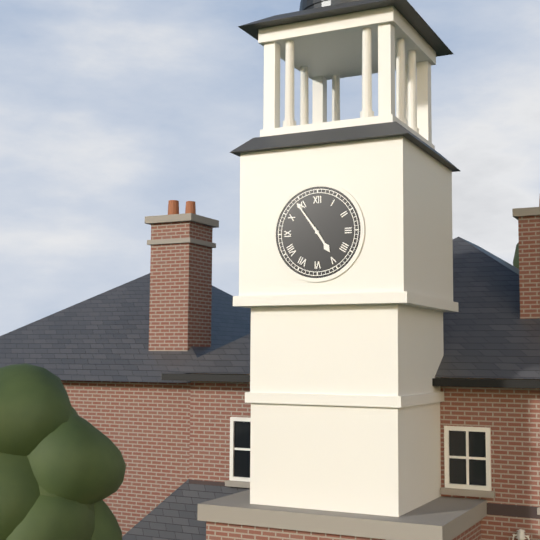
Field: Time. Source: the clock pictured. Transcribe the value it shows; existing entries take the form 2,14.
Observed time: 4,54
